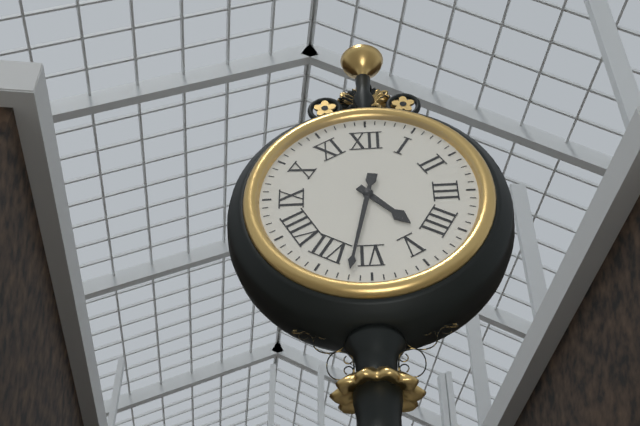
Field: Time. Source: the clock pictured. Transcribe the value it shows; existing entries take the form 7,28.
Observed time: 4,32
